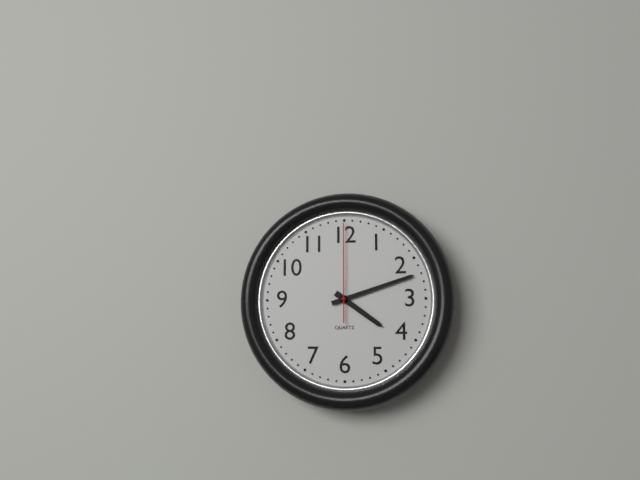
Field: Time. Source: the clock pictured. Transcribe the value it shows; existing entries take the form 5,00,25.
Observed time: 4,12,00
